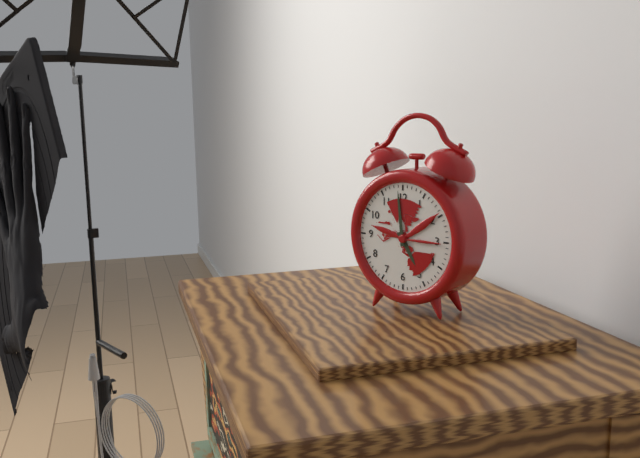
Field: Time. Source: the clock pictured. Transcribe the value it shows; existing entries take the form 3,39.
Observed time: 4,59
